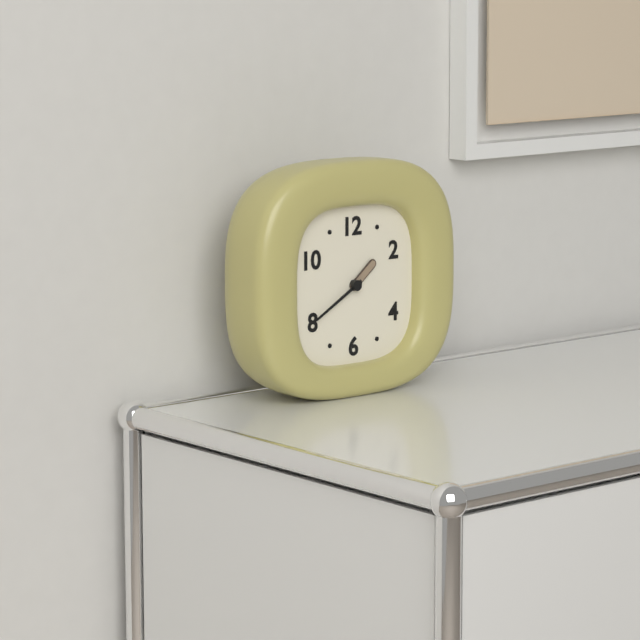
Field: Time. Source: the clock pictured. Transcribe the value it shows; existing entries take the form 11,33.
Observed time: 1,40
